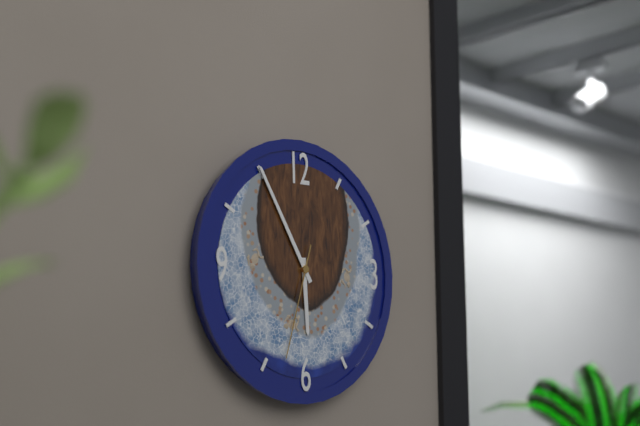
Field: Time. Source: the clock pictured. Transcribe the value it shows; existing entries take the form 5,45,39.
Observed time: 5,55,33
